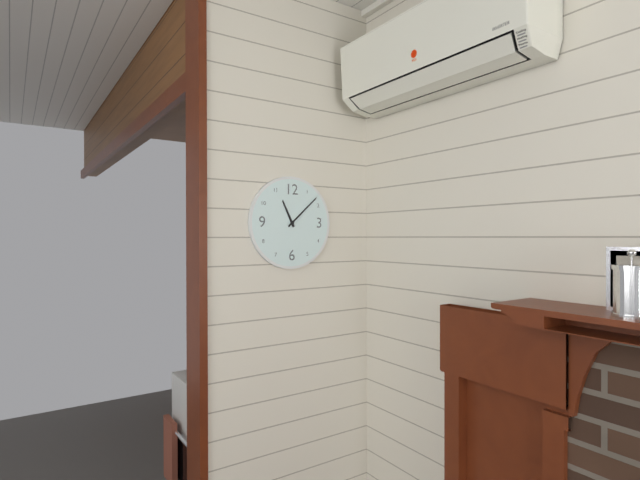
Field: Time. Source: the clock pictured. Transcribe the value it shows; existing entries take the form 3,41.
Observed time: 11,08
